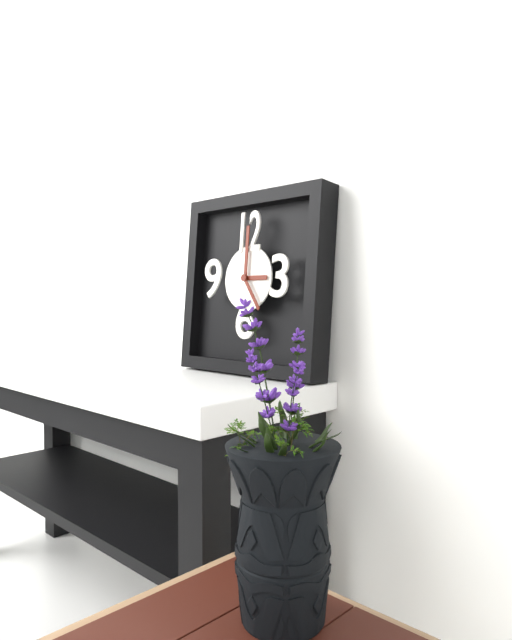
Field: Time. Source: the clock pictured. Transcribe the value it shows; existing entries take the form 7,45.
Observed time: 3,00
